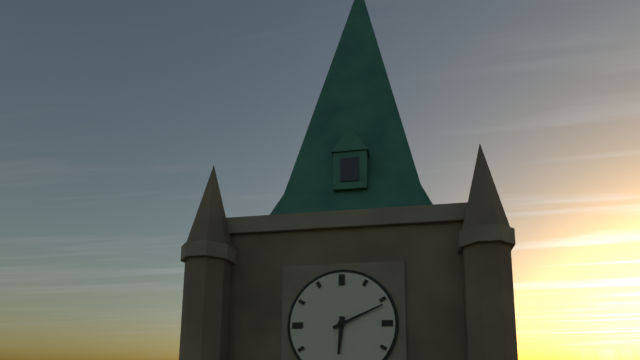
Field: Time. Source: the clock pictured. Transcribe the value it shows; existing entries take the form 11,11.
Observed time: 6,11
